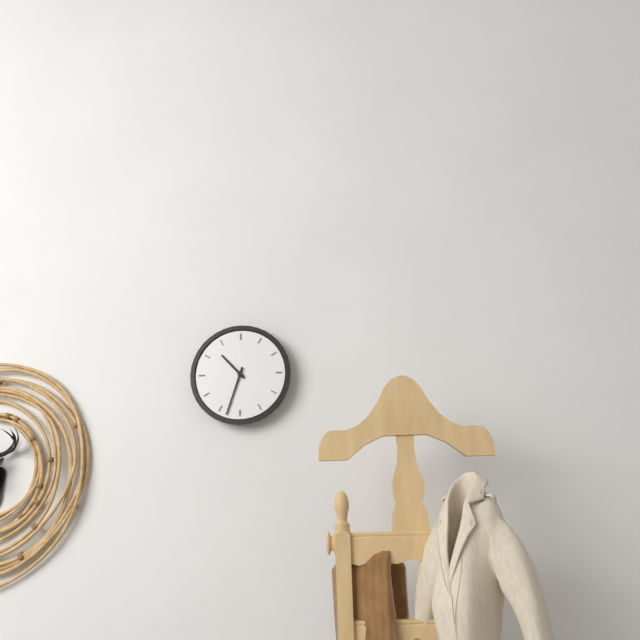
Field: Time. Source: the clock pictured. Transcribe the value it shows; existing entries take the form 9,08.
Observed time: 10,33
